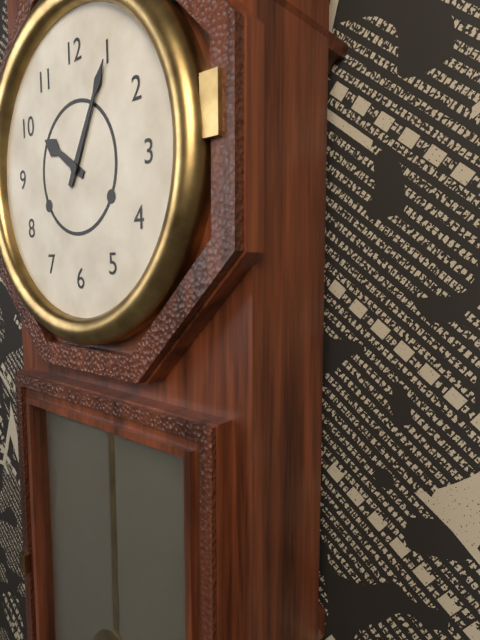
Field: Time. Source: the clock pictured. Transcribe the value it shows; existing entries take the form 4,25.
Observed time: 10,05
